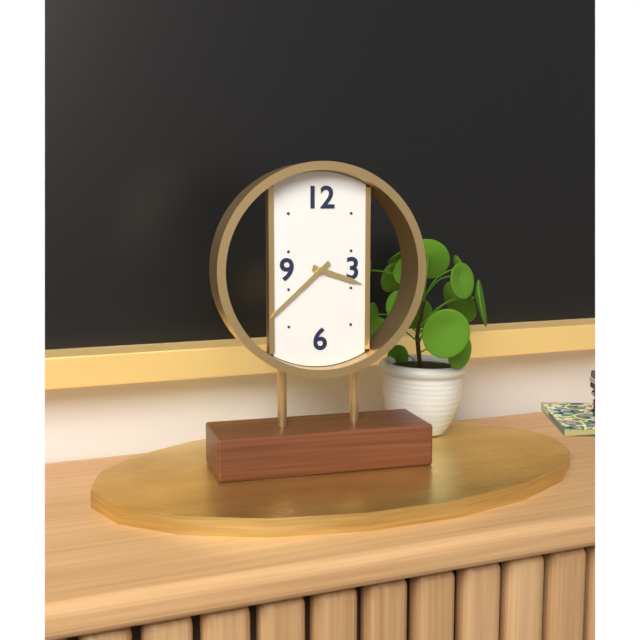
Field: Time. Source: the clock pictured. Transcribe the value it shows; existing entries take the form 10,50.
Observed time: 3,38
